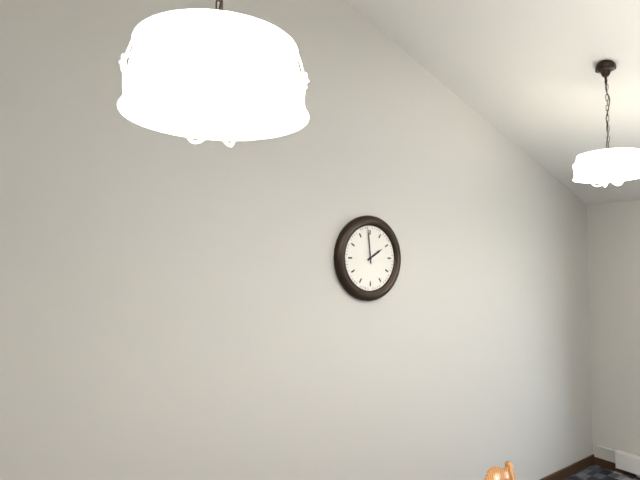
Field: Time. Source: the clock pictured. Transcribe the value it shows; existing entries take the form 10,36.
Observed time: 1,59
